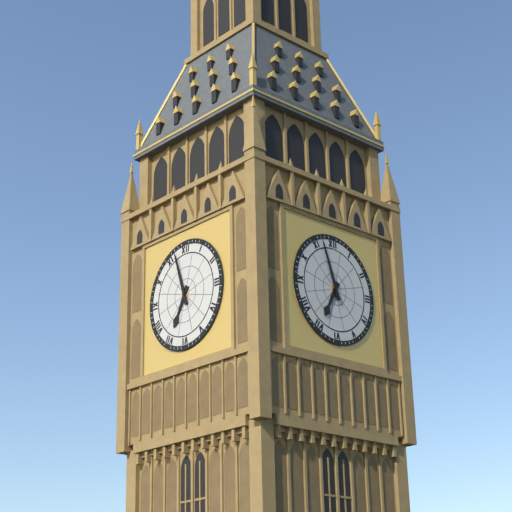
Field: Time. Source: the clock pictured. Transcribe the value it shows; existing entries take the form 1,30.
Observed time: 6,57
